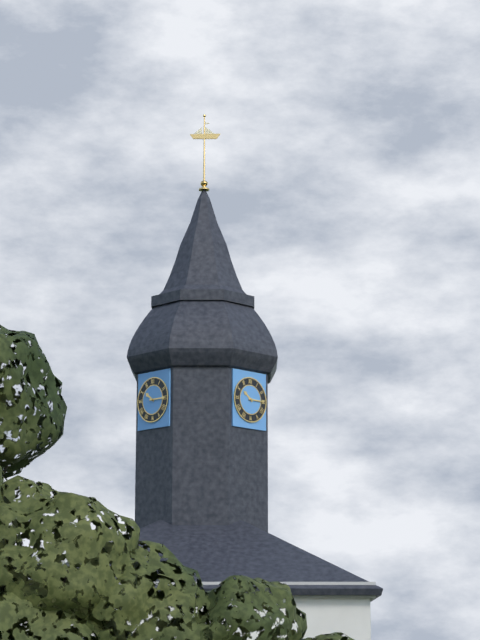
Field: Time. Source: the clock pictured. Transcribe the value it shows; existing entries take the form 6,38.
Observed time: 10,15
